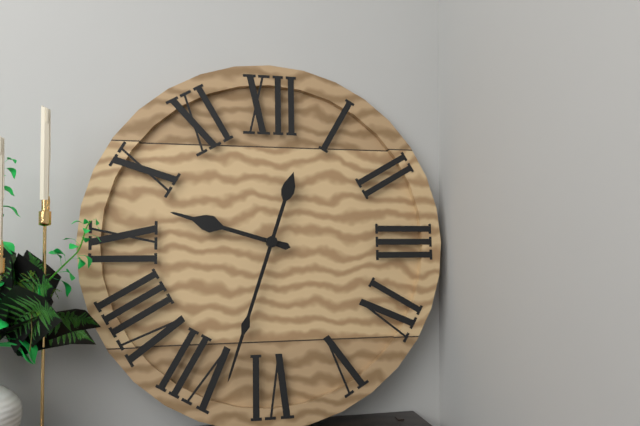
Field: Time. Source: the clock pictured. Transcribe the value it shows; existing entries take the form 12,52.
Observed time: 9,33
